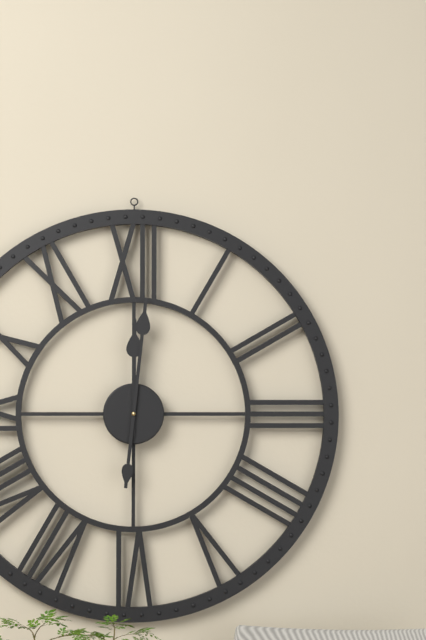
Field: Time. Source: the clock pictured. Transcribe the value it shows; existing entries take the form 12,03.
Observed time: 12,01
